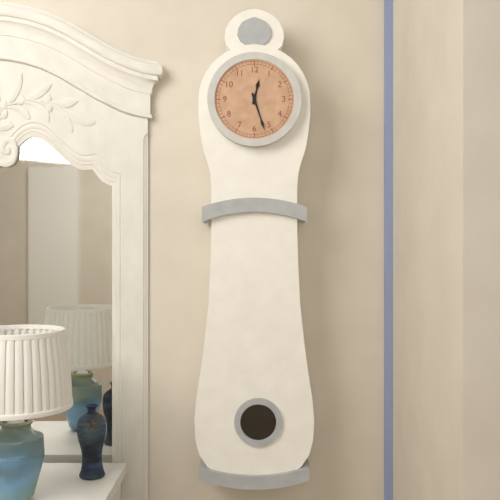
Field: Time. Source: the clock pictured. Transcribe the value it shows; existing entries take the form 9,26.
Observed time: 12,27
